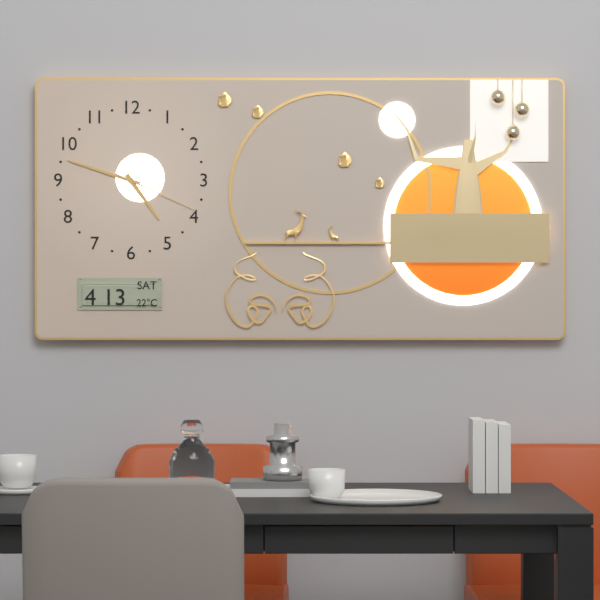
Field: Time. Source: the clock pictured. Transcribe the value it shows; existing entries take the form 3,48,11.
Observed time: 4,48,19
